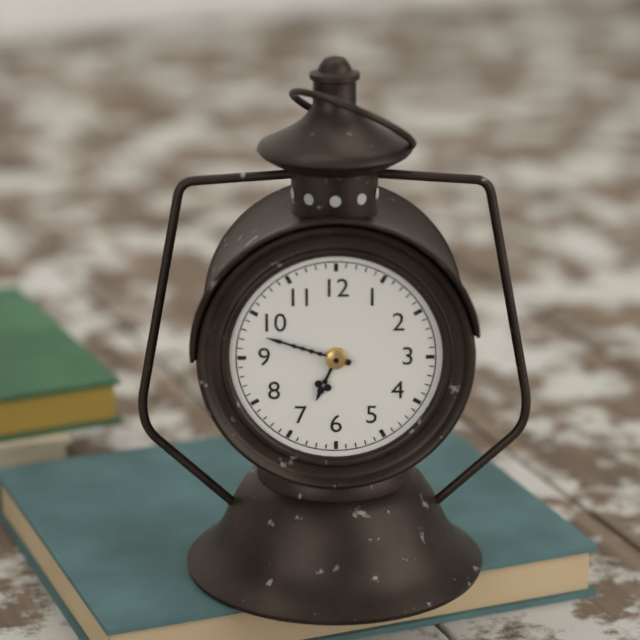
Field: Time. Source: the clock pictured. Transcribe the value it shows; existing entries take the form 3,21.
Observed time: 6,48
